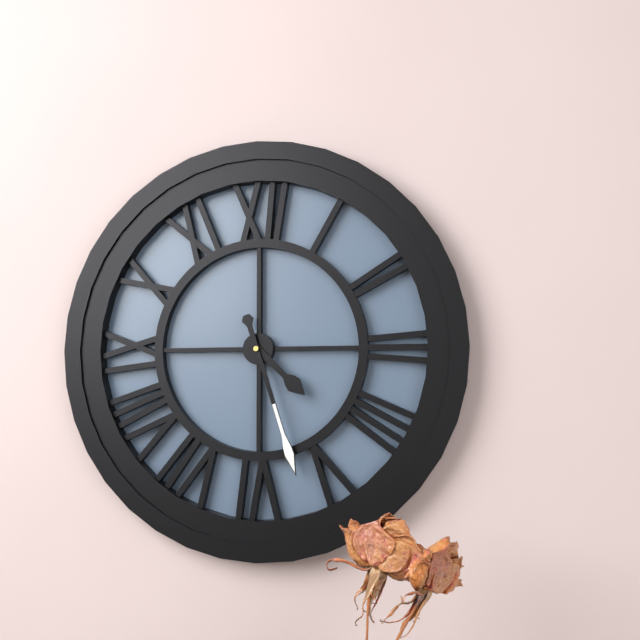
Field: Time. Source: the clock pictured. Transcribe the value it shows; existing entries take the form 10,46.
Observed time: 4,27
